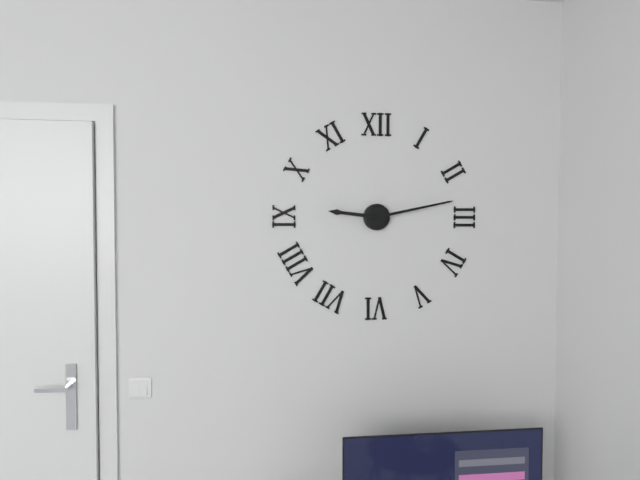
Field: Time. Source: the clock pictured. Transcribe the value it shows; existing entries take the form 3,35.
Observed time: 9,13
